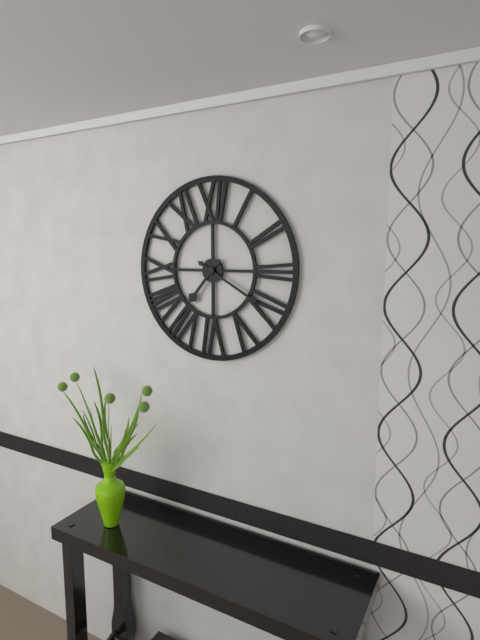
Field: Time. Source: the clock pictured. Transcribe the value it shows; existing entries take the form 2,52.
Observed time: 7,20
